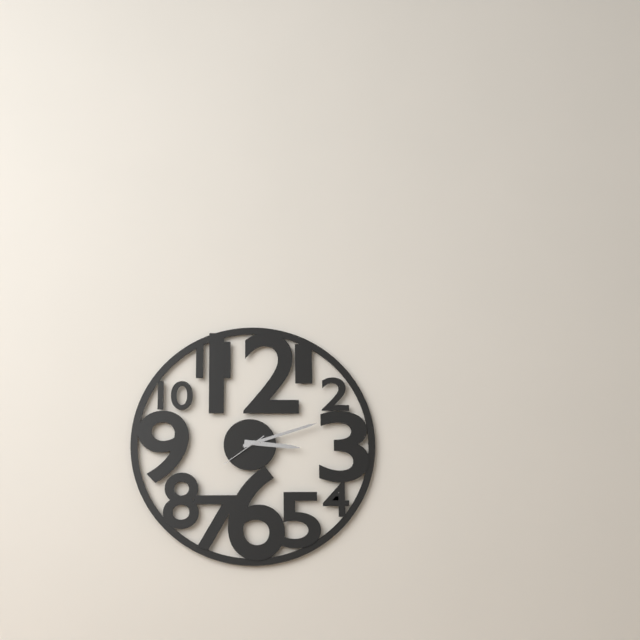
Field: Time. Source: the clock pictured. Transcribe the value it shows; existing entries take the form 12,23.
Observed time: 3,12
